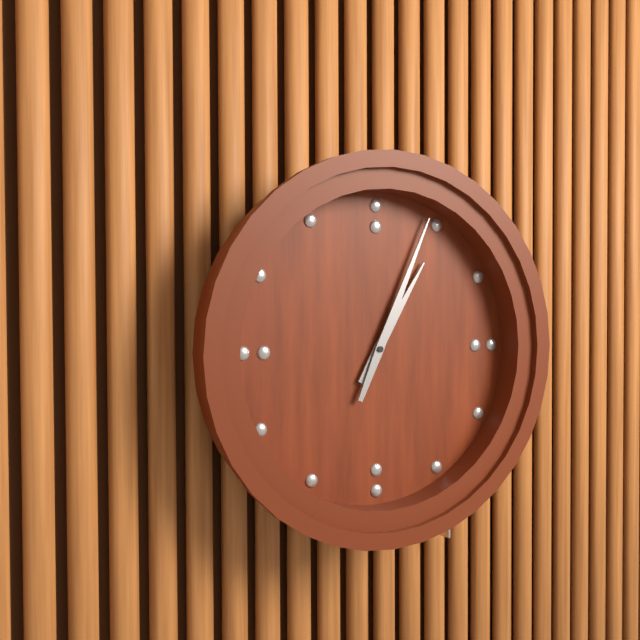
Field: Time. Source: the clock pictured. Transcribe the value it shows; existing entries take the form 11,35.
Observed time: 1,04
